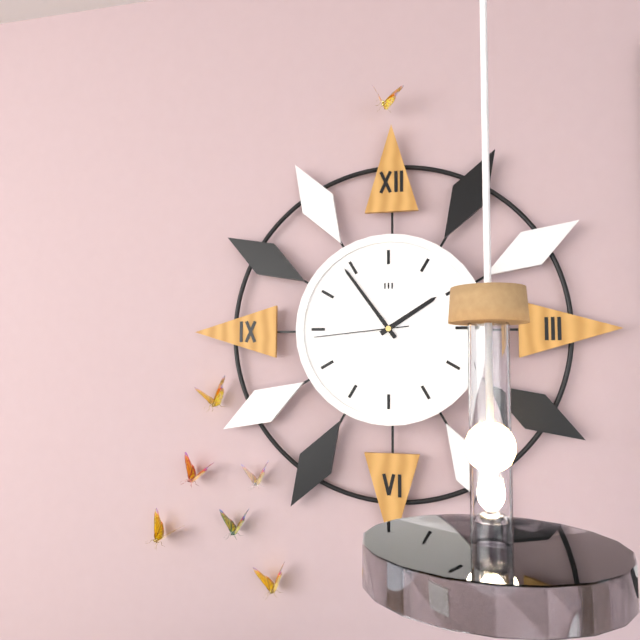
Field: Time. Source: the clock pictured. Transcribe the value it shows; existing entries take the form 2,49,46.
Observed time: 1,54,44
